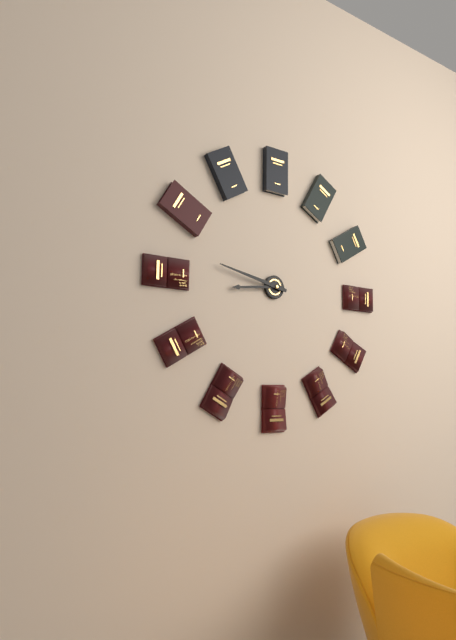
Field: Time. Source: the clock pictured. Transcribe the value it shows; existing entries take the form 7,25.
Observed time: 8,47
